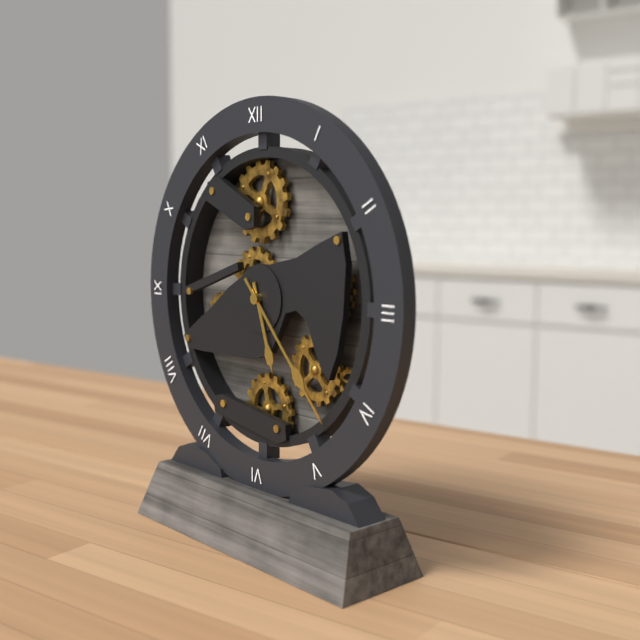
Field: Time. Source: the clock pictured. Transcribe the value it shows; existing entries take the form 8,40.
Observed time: 5,23
